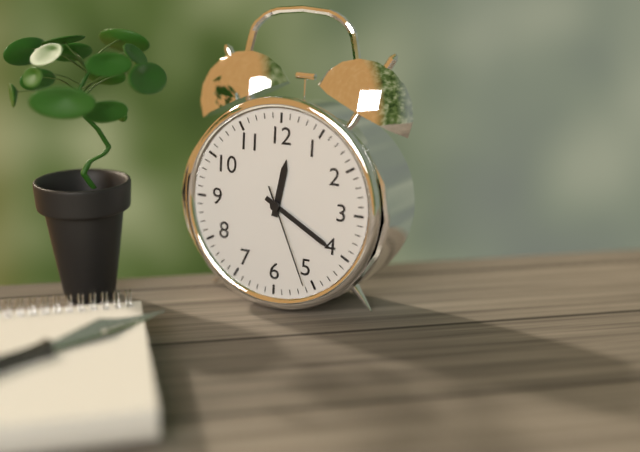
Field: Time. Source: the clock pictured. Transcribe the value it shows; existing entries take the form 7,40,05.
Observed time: 12,20,26
